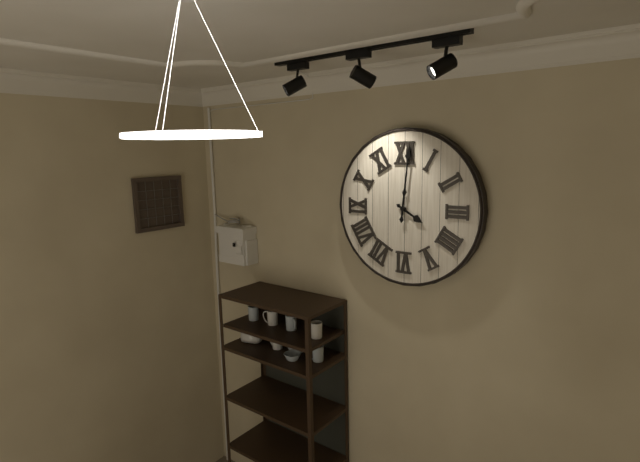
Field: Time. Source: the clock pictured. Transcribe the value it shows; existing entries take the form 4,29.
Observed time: 4,01
